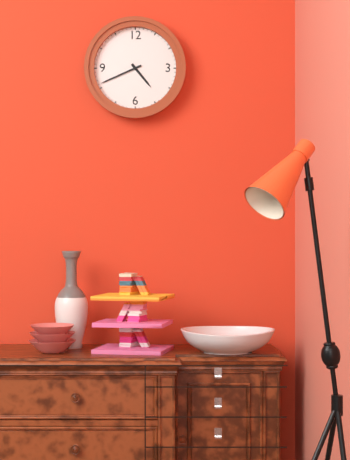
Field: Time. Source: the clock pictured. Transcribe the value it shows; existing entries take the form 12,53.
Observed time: 4,41
